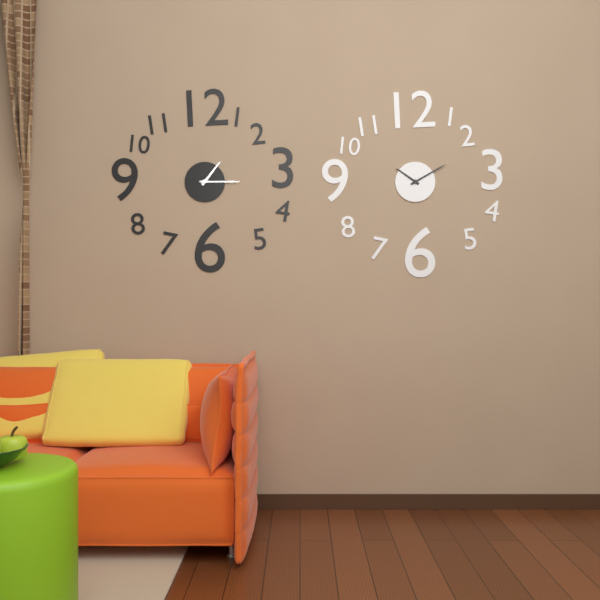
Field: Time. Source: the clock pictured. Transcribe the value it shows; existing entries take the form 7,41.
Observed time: 1,15
